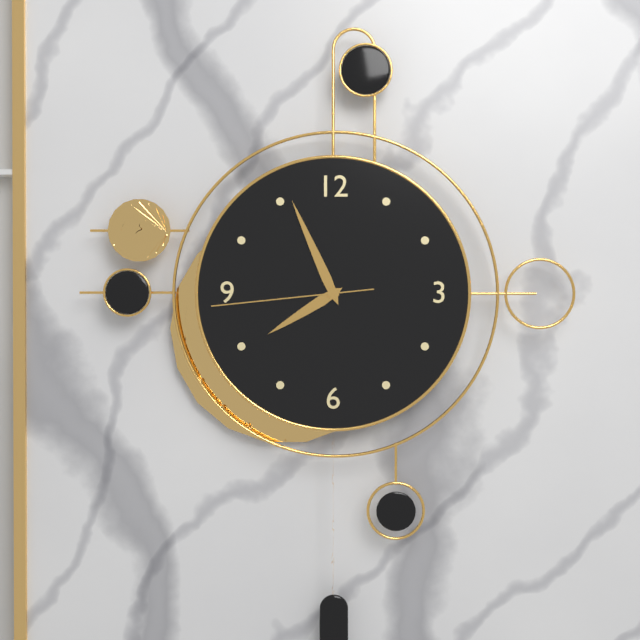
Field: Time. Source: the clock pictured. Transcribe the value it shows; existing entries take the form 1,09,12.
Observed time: 7,56,44
